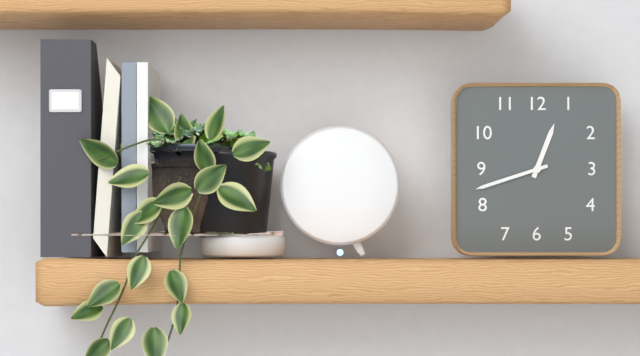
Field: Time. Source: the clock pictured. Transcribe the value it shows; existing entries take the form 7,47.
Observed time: 12,42
